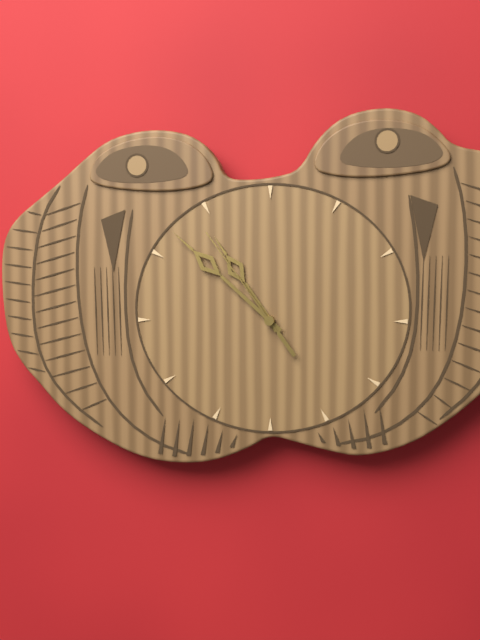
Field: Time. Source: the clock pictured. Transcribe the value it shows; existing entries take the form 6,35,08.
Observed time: 10,52,54
